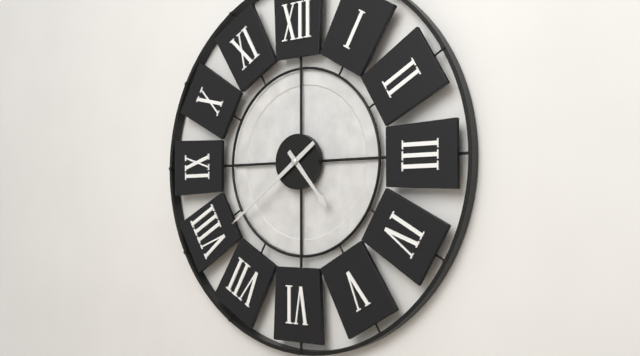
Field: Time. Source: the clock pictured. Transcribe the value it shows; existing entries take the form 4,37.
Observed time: 4,39
